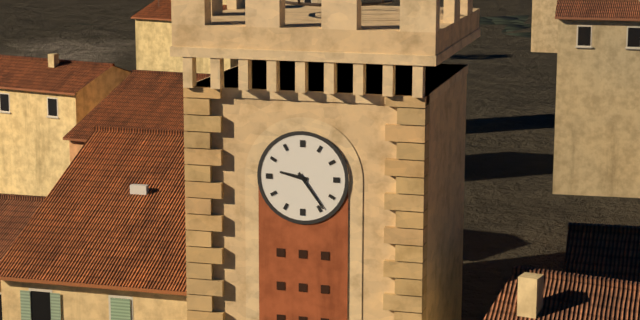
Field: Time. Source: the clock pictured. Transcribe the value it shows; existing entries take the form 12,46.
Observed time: 9,24
